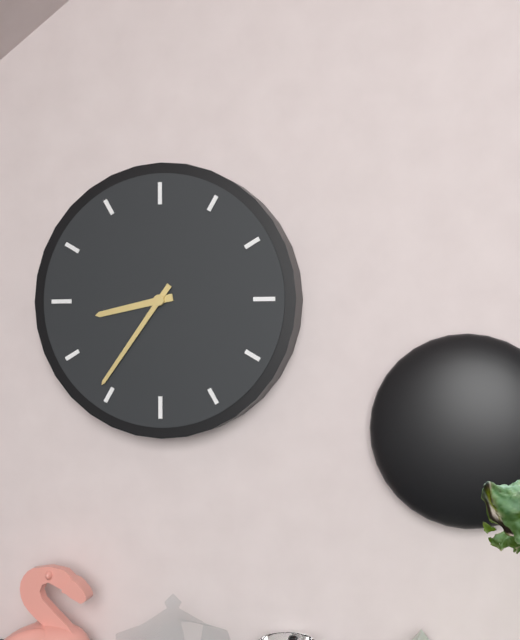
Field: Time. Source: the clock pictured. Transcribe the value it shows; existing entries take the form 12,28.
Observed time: 8,36
